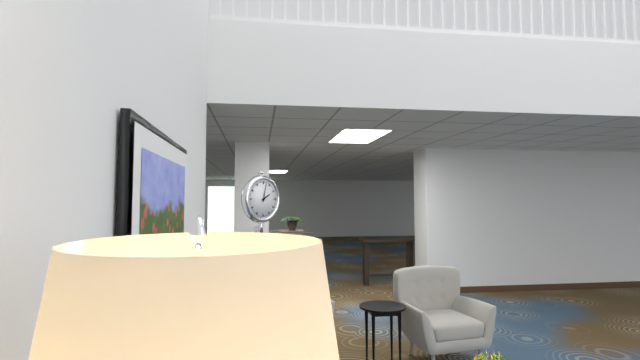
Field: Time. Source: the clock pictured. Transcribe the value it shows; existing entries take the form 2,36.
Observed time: 2,02
